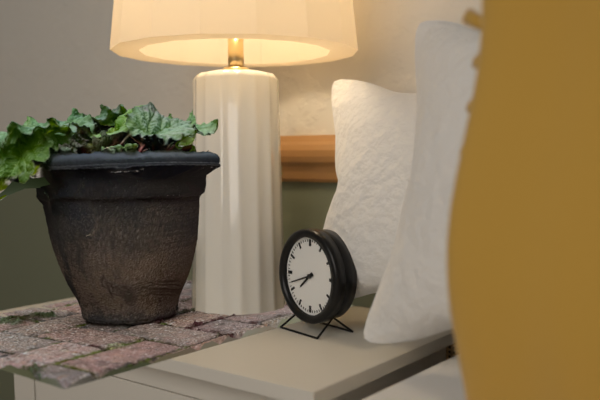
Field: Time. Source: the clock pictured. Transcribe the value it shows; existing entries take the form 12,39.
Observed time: 7,42
